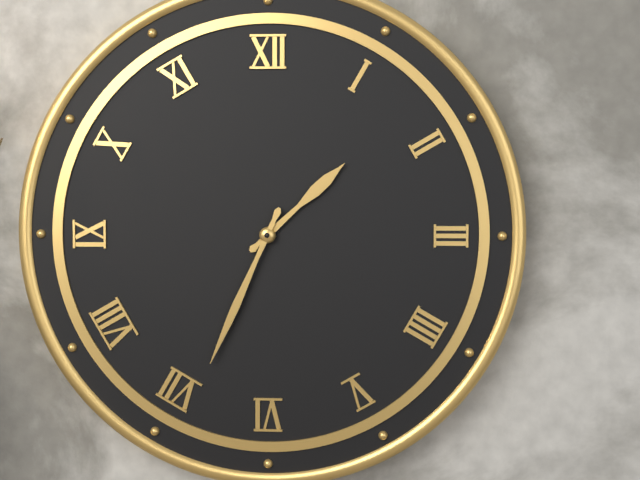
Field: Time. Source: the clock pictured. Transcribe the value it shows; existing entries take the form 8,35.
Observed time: 1,34
